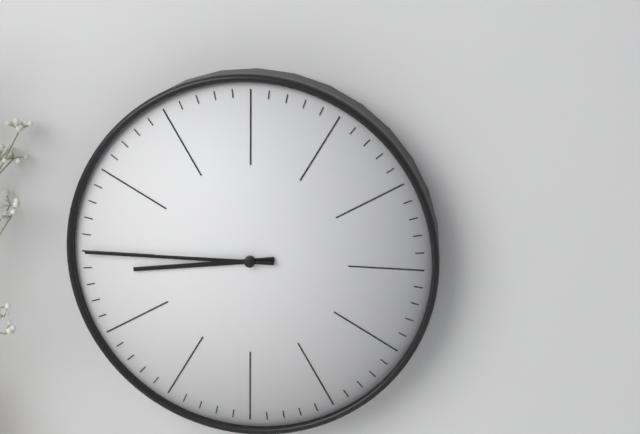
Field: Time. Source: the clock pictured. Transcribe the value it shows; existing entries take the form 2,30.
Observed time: 8,45
